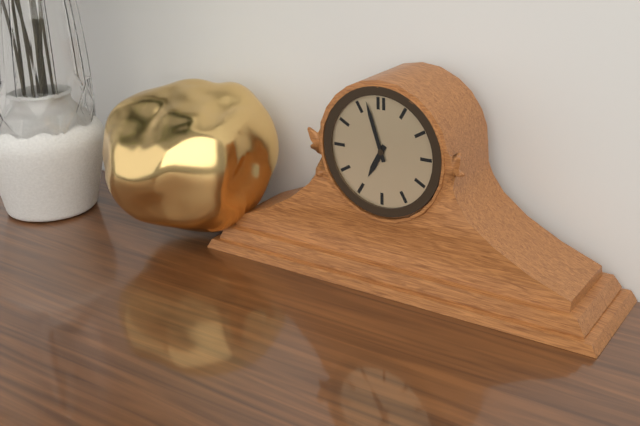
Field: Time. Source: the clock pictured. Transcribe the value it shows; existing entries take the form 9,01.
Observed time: 6,57
